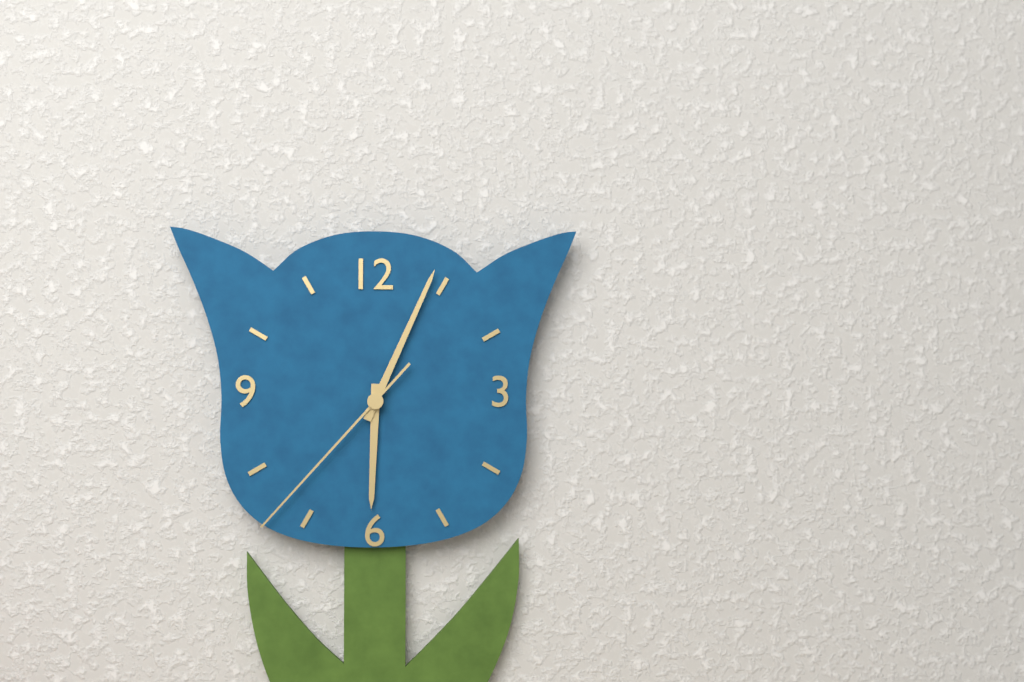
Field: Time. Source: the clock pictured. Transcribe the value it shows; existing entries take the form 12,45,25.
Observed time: 6,04,37
